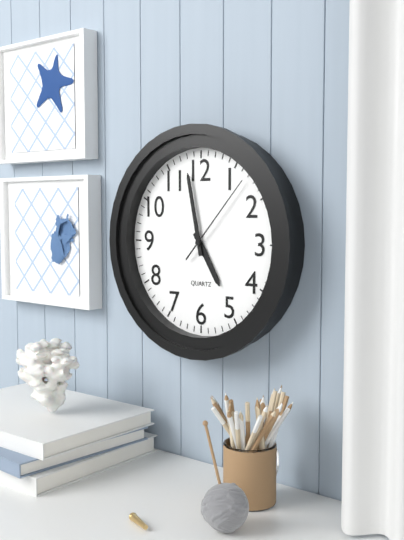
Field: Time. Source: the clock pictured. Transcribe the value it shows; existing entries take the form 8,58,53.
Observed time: 4,58,07
